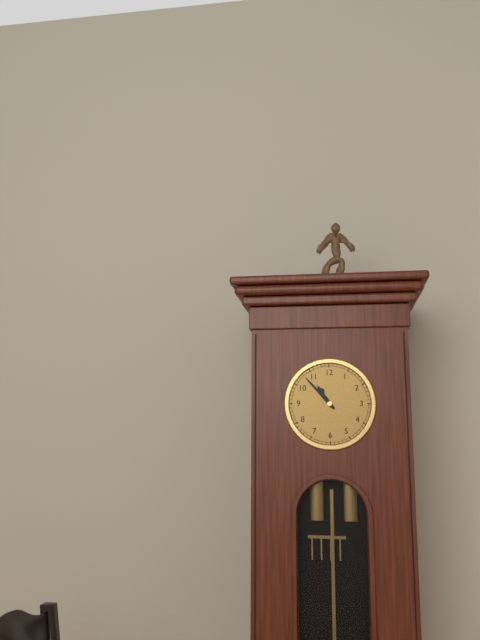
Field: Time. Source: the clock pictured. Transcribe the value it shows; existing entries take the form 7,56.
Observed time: 10,53
